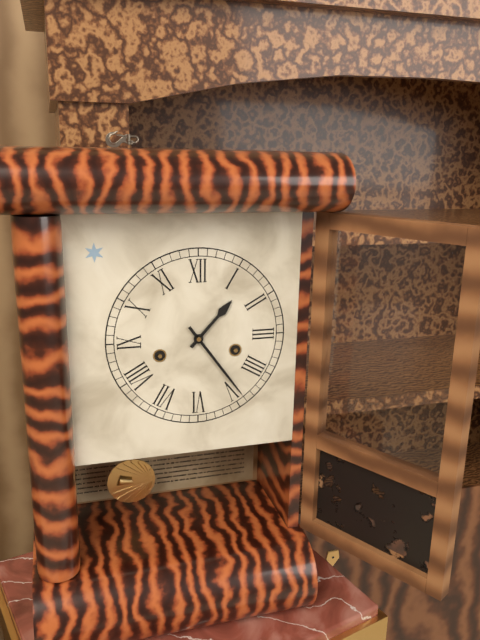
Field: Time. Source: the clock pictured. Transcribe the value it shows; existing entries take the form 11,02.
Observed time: 1,24
